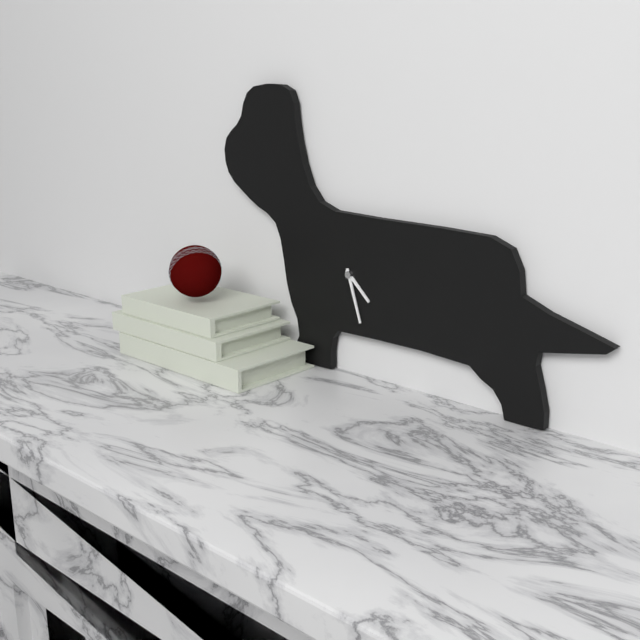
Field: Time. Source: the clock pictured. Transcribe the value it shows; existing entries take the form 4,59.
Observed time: 4,27
